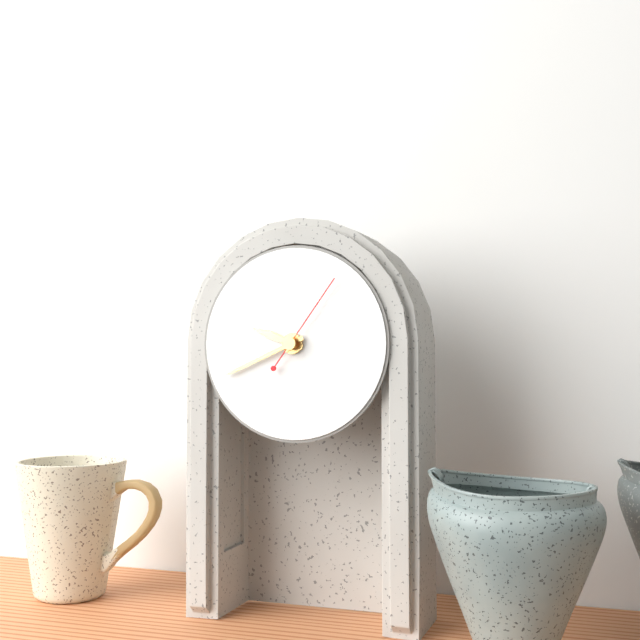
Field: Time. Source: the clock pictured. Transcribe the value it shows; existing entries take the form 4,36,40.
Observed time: 9,41,06
